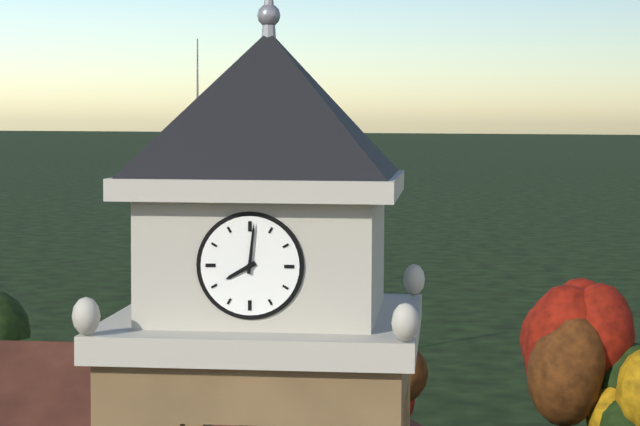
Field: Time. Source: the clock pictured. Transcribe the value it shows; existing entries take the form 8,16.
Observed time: 8,01
